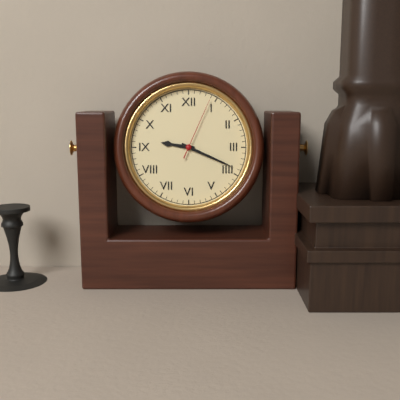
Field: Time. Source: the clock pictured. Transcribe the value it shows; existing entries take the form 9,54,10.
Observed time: 9,19,04
